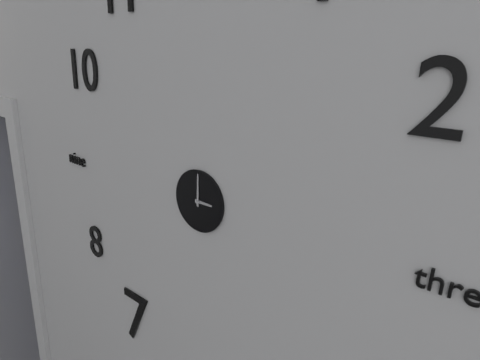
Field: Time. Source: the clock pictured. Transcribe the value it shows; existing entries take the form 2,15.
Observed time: 3,00
